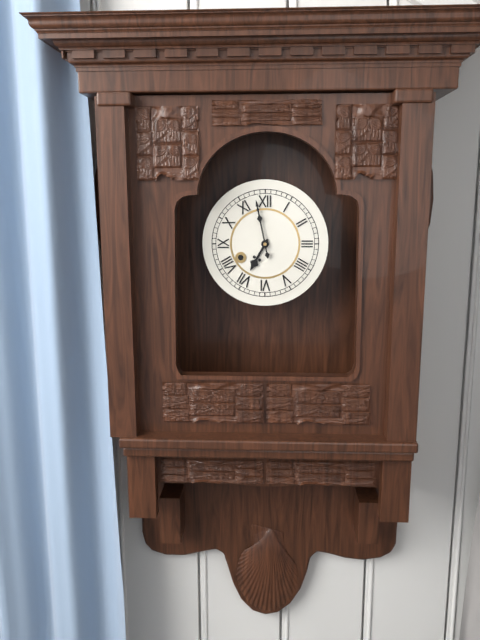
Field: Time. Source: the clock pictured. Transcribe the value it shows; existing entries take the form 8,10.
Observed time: 6,58
